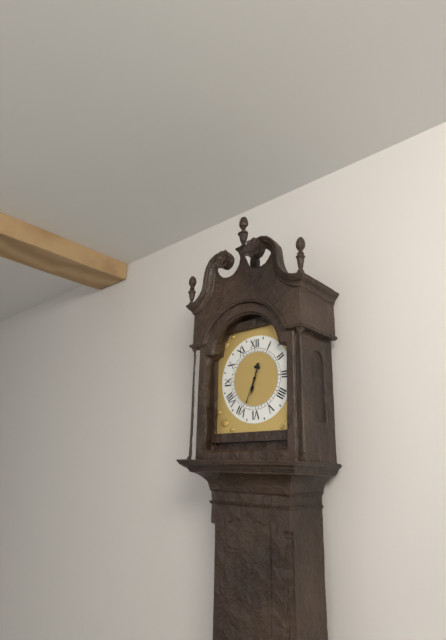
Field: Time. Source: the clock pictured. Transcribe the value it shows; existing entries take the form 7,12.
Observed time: 6,34
